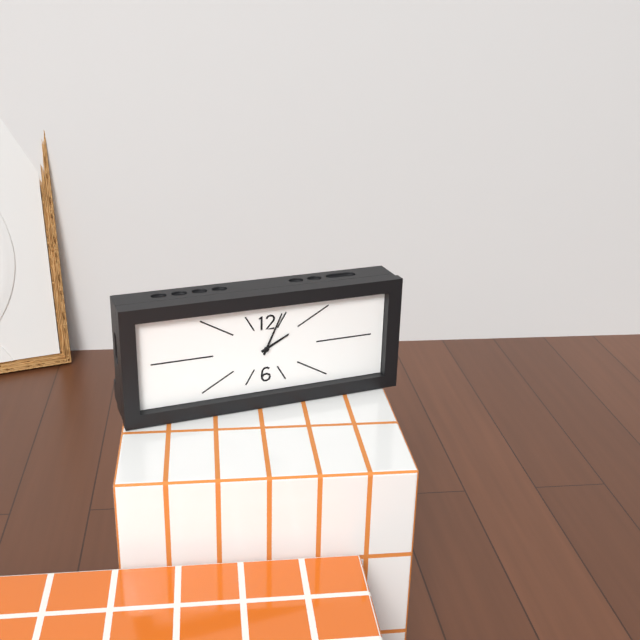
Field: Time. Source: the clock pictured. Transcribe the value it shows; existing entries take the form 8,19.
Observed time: 2,04
